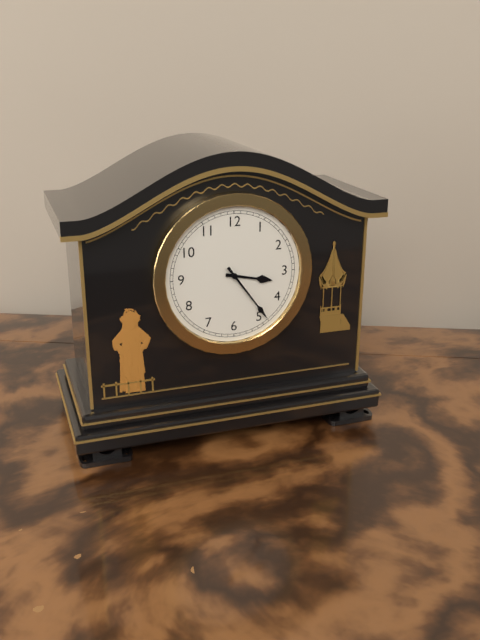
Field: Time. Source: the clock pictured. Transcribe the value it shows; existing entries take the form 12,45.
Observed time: 3,24
